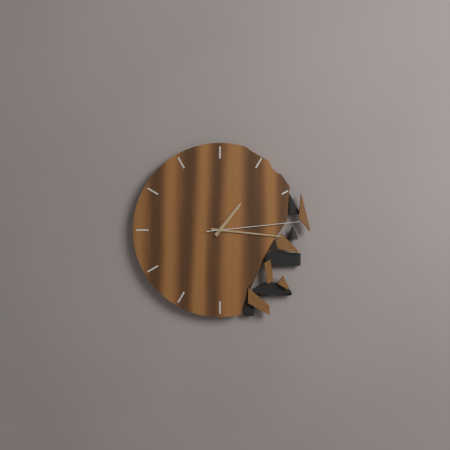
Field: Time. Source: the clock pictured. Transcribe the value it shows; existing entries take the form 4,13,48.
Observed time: 1,16,14
